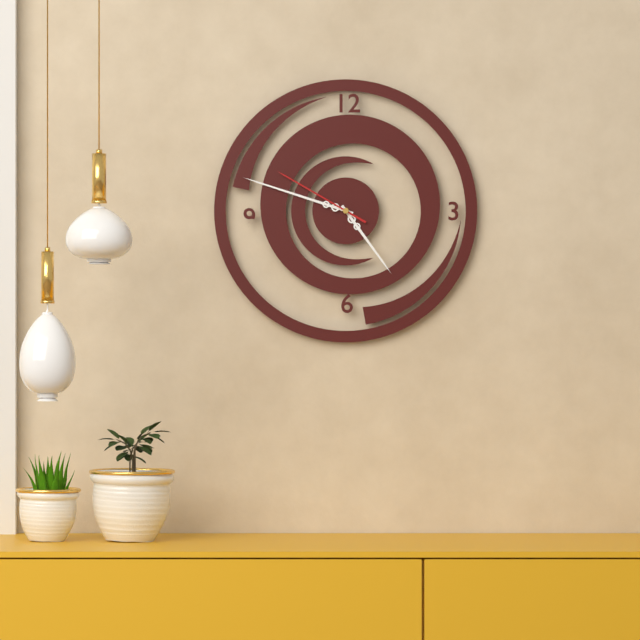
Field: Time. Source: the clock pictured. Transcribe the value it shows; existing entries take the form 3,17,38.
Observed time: 4,48,50
